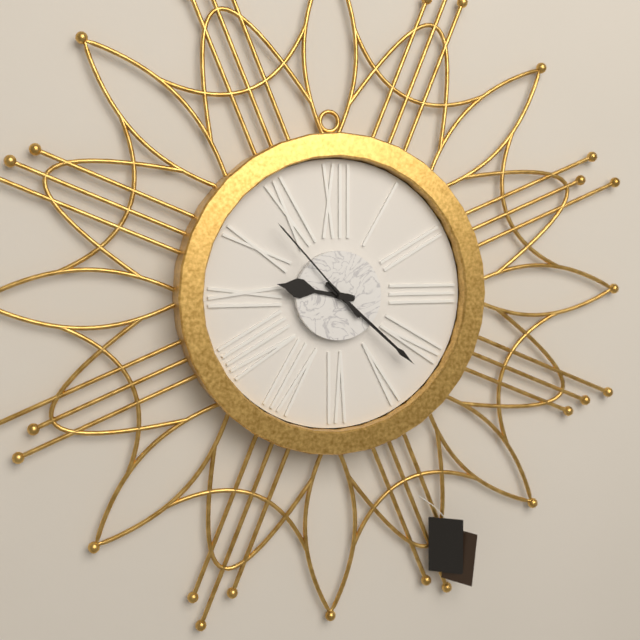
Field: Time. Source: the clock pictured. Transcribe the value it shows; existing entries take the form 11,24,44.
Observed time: 9,22,53
